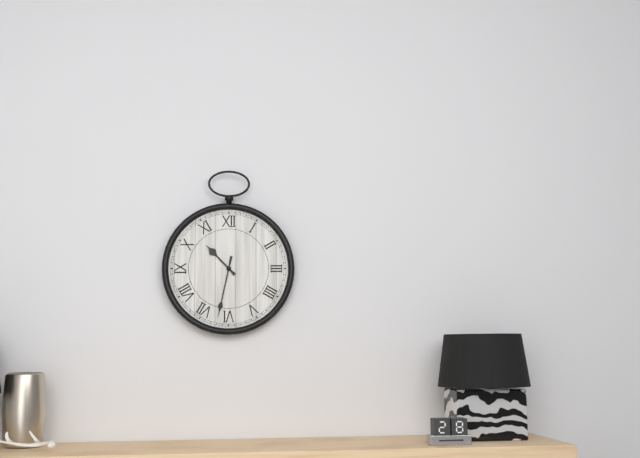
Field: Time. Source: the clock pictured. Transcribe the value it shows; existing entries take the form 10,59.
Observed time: 10,32
